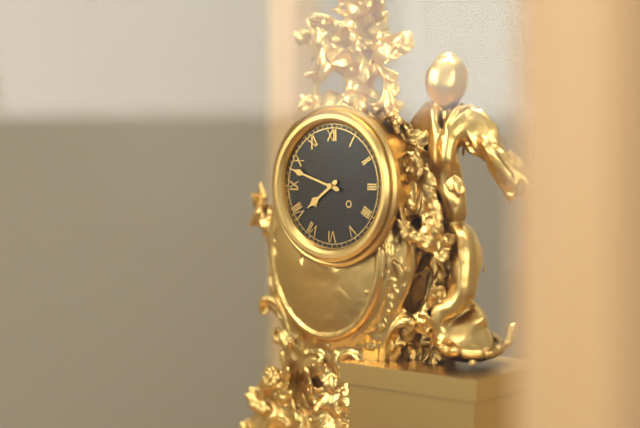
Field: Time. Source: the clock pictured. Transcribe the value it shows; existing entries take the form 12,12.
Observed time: 7,48
